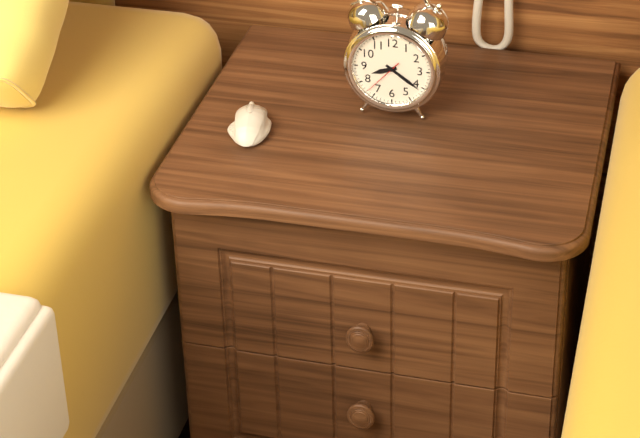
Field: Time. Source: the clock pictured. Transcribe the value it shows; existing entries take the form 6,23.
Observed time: 8,21
